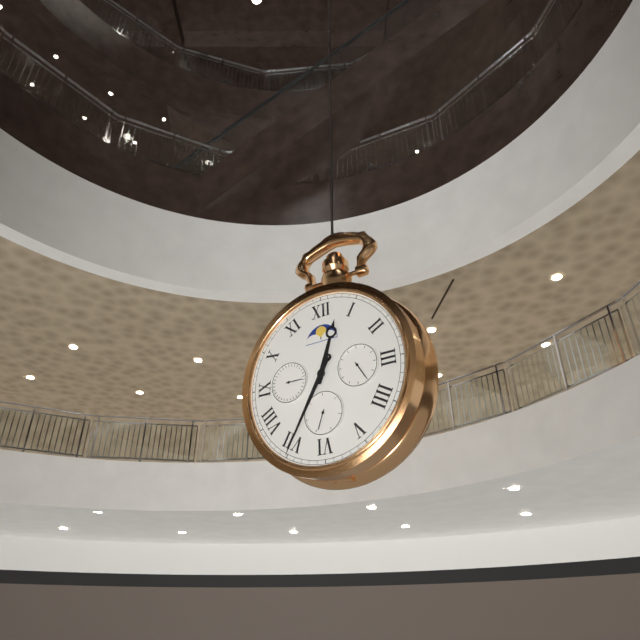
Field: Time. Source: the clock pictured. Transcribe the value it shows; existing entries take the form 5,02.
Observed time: 12,35
